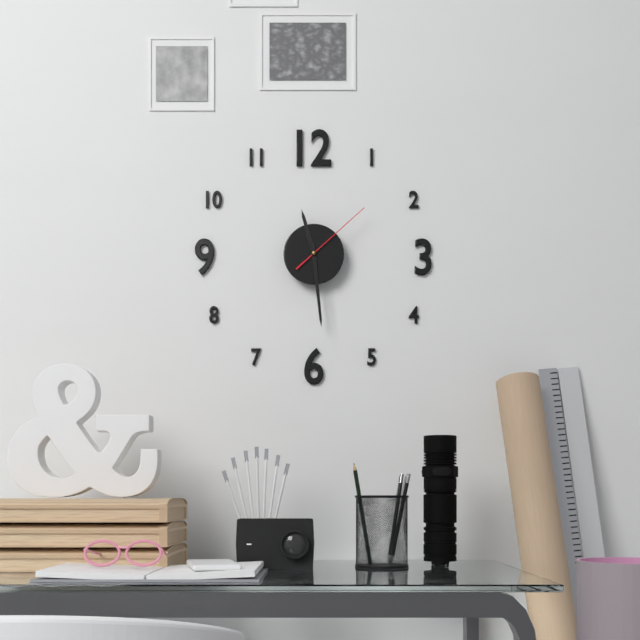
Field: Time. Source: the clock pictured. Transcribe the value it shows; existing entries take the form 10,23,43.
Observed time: 11,29,08
